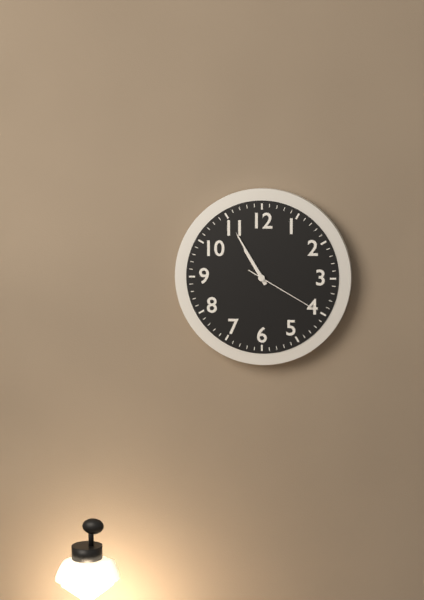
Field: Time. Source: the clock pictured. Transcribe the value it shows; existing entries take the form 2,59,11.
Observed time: 10,55,20
